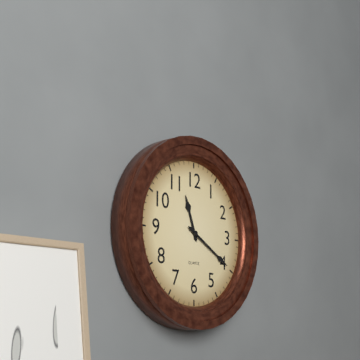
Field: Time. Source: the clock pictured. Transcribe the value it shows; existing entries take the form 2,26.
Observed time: 11,20
